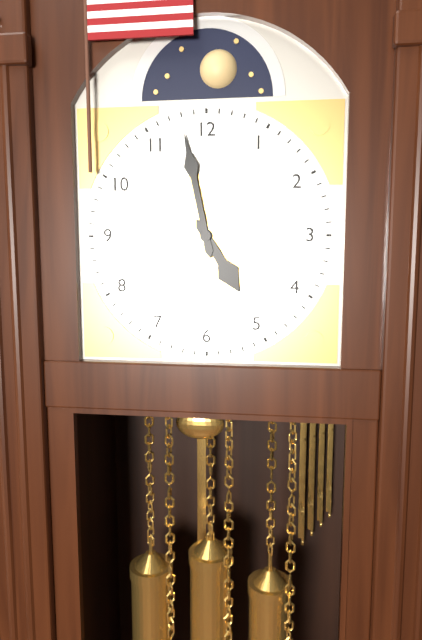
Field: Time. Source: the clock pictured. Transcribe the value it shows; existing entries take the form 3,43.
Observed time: 4,58
